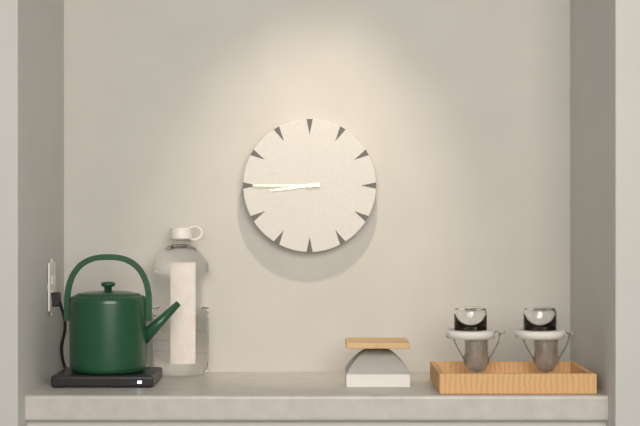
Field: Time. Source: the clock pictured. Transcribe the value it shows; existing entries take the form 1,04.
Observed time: 8,45
